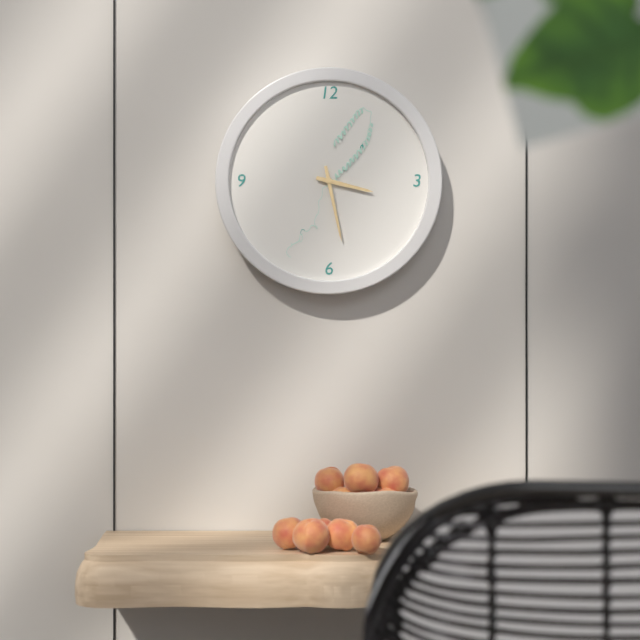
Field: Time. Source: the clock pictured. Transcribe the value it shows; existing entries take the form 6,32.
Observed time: 3,28
